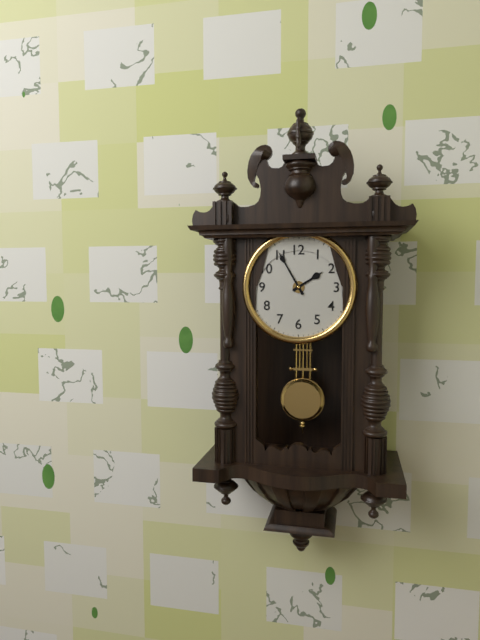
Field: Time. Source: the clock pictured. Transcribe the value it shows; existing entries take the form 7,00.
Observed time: 1,55
